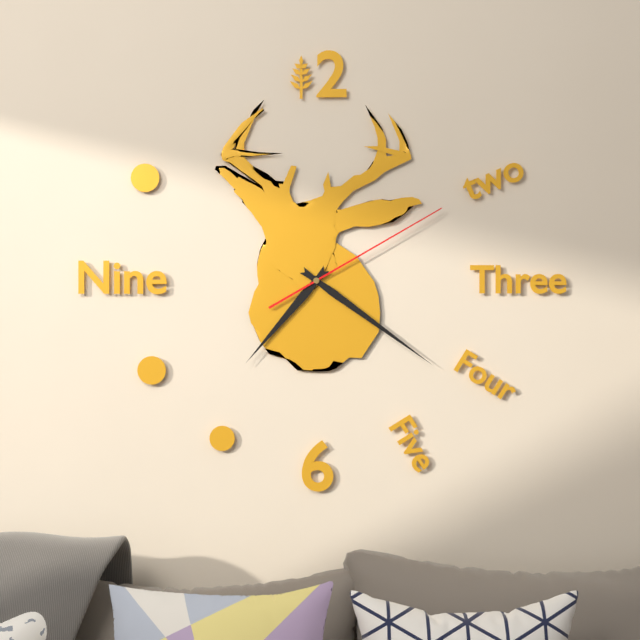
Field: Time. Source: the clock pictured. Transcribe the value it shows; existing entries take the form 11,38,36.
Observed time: 7,21,10
